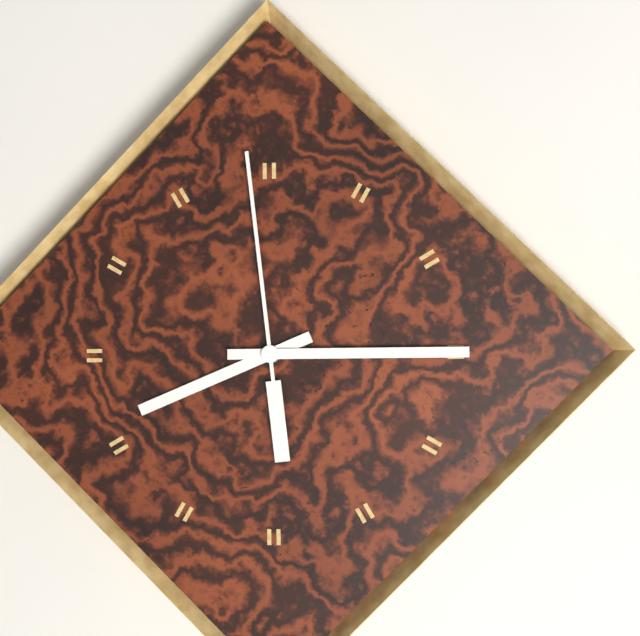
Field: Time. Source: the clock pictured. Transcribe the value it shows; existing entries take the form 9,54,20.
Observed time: 8,15,59
